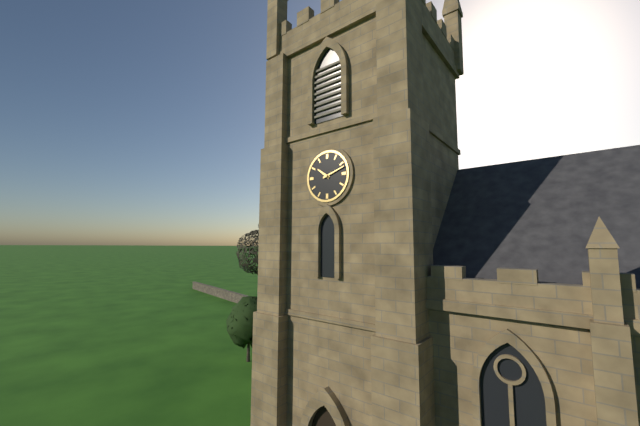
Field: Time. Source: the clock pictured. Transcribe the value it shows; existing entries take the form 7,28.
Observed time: 10,12
